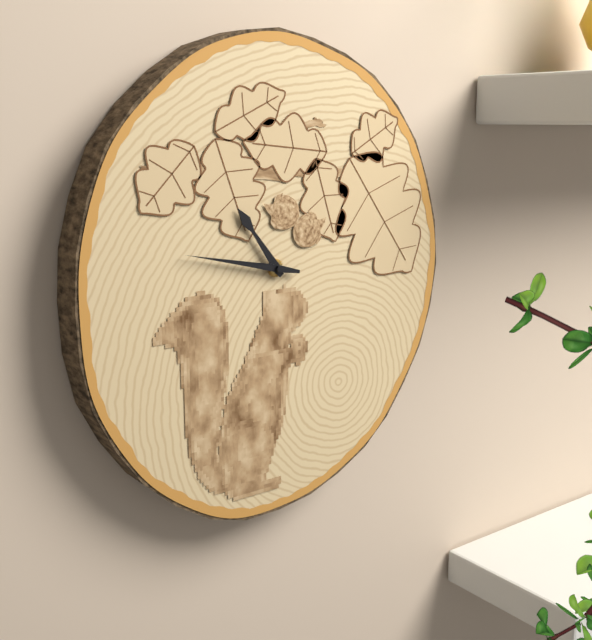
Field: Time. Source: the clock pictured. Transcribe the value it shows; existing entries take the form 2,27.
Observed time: 10,47
